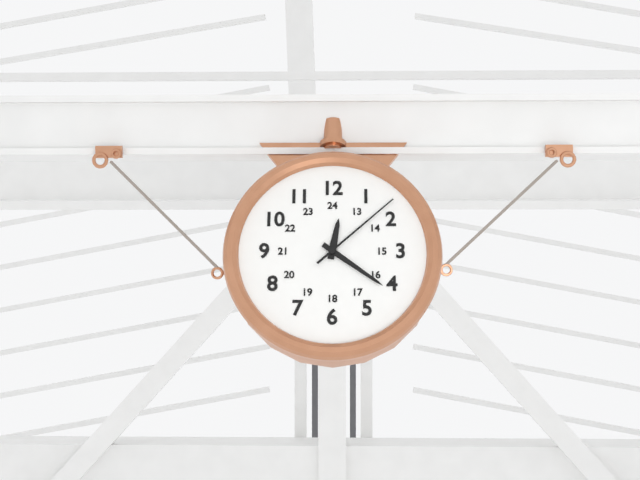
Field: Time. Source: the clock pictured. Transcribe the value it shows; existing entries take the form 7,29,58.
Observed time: 12,21,08
